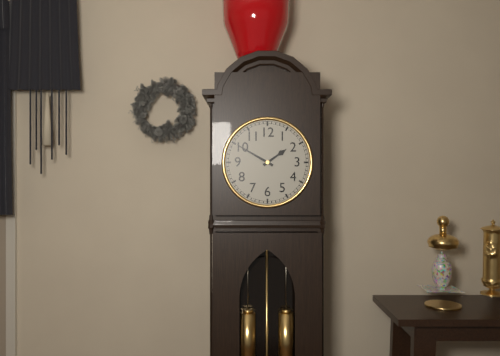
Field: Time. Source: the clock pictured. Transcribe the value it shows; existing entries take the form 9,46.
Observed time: 1,50
